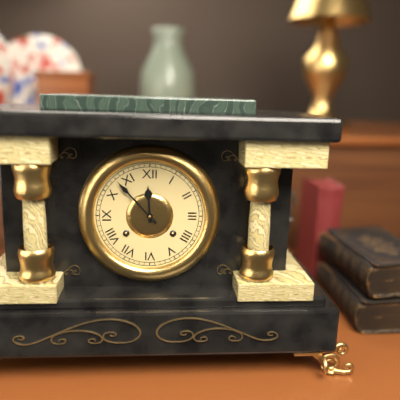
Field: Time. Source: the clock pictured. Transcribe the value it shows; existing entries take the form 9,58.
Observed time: 11,53
